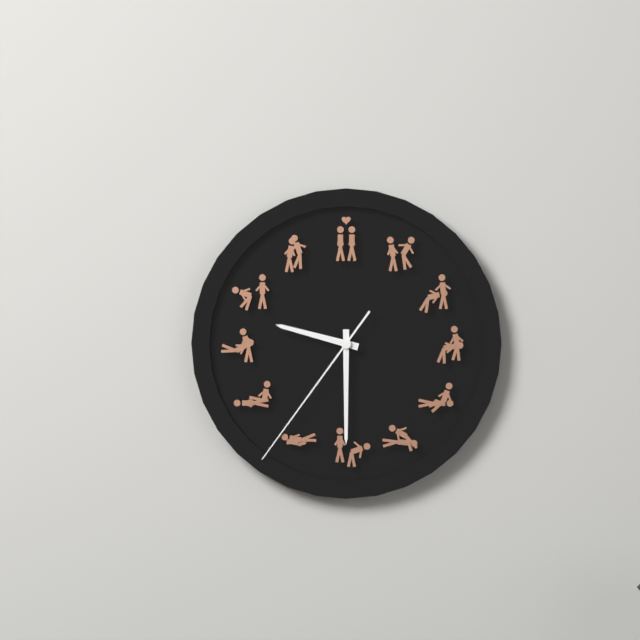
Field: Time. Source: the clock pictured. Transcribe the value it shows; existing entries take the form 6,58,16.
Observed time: 9,30,36
